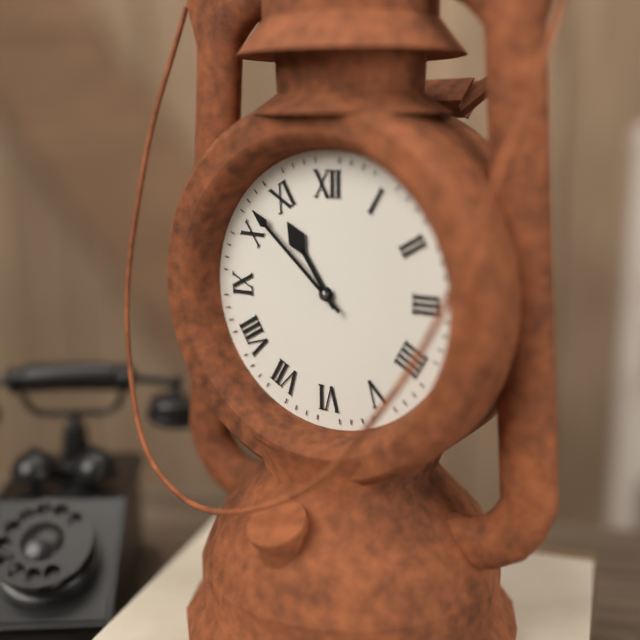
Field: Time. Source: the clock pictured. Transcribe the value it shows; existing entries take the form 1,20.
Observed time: 10,52
